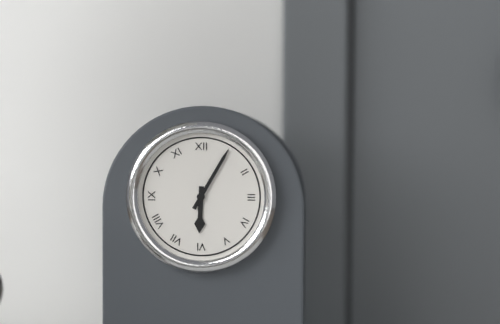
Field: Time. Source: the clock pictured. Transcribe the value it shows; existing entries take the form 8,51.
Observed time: 6,05
